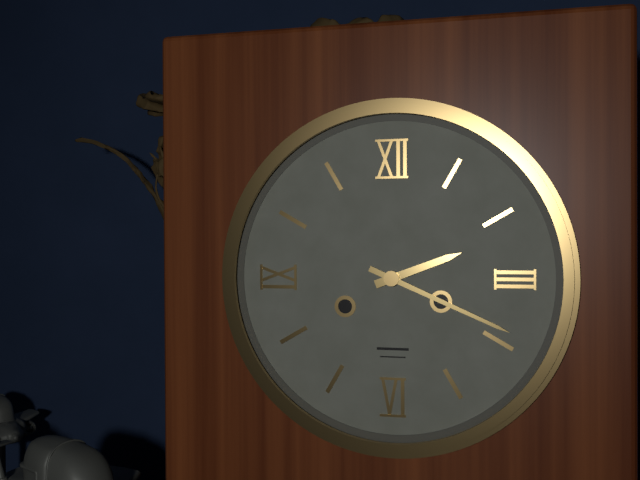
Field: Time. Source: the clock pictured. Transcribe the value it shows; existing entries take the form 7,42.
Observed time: 2,19
